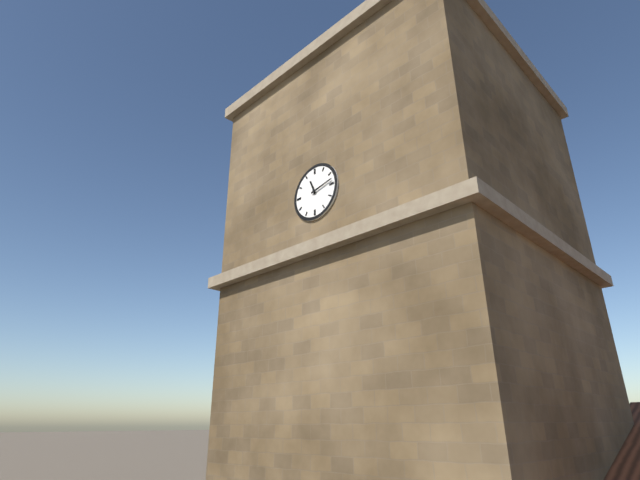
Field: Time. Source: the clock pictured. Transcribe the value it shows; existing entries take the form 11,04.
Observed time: 11,13
